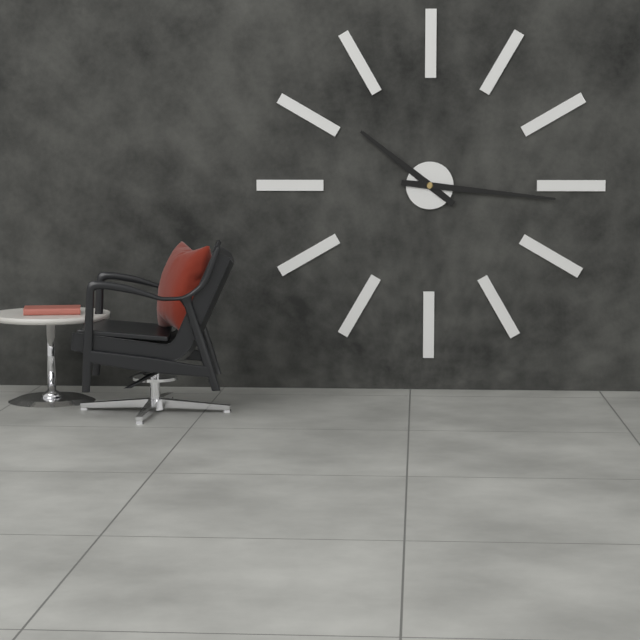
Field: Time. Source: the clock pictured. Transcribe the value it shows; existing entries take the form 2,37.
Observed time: 10,16
